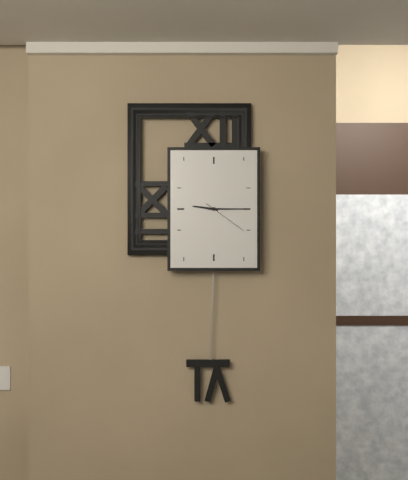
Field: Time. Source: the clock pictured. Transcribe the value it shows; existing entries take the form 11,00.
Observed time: 9,15
